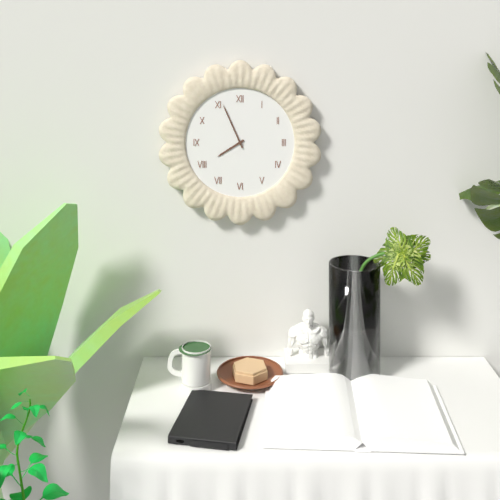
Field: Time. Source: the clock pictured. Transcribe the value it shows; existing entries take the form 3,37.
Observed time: 7,56
